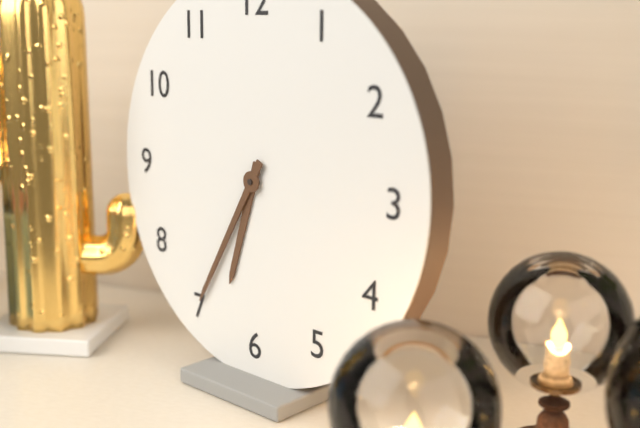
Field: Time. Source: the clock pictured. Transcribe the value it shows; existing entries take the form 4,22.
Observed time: 6,35
